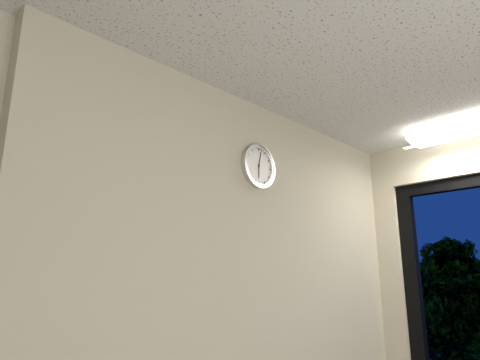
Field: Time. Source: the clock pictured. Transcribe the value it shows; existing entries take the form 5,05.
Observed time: 6,02
